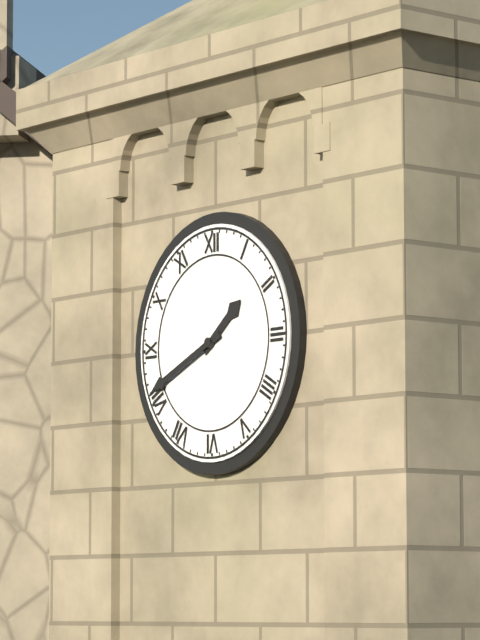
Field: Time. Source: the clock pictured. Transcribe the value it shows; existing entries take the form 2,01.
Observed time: 1,41
